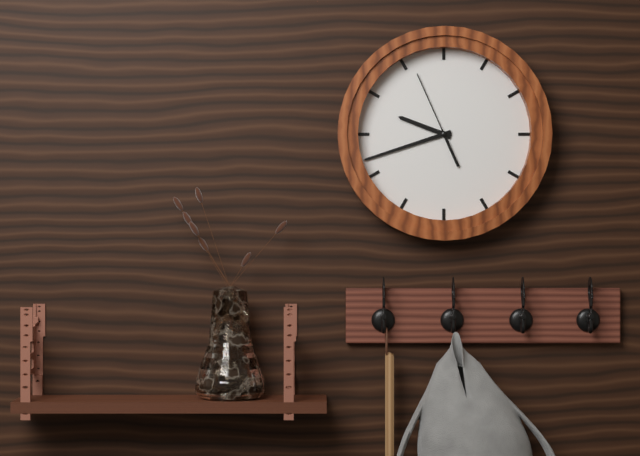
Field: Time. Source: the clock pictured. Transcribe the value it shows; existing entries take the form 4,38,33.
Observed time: 9,42,56
